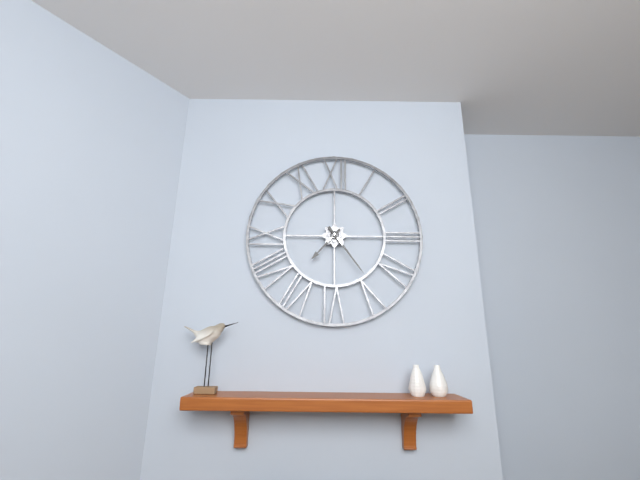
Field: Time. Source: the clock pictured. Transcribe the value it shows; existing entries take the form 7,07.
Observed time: 7,24
